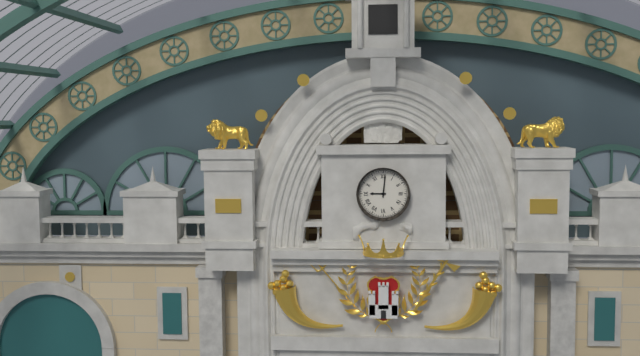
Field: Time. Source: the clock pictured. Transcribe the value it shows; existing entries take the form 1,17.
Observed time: 9,01
